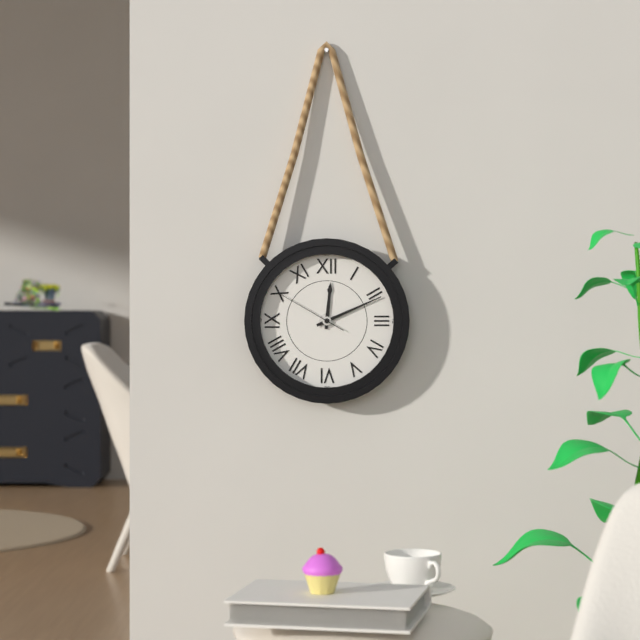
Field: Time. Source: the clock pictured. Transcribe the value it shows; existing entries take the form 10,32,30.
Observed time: 12,11,50
